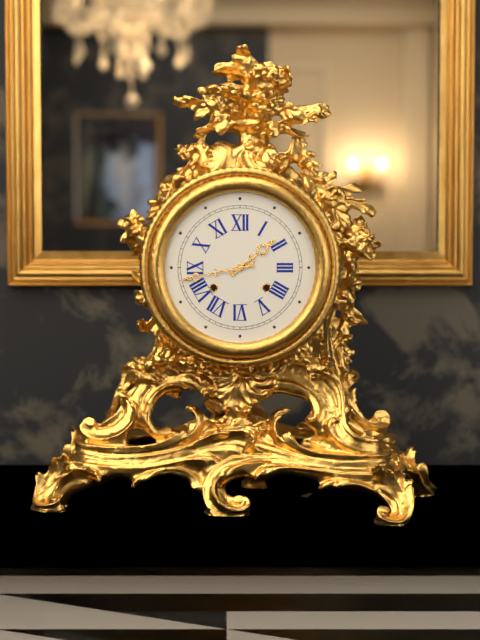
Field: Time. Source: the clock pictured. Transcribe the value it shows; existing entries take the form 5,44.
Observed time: 1,43
